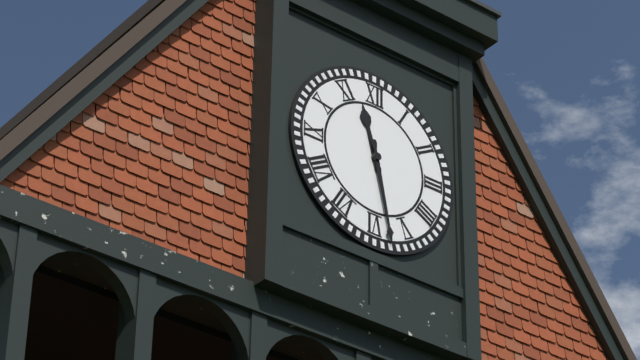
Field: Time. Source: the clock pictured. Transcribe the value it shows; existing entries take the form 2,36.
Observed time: 11,28
